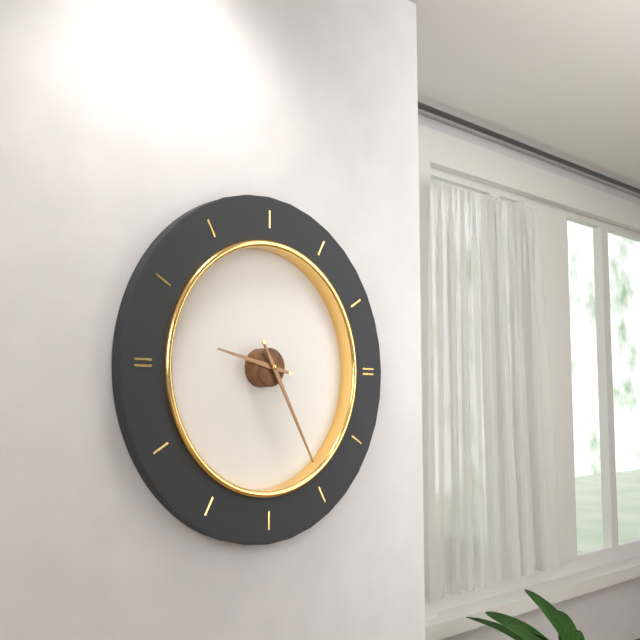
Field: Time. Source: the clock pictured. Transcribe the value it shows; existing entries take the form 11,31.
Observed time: 9,25
